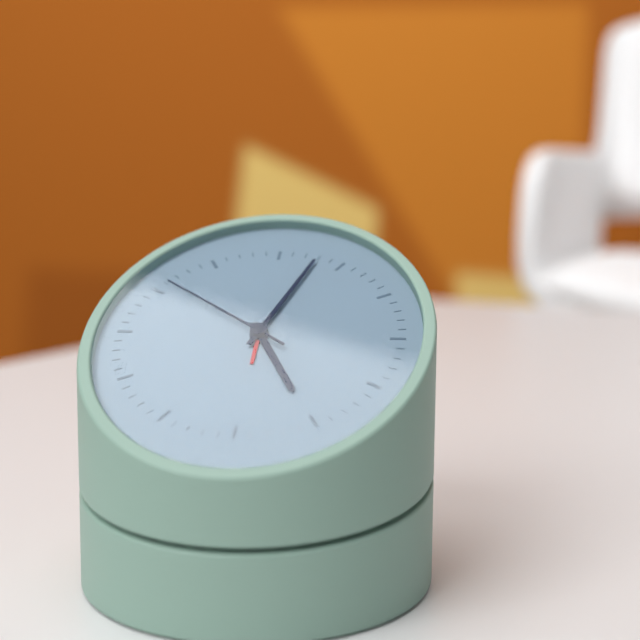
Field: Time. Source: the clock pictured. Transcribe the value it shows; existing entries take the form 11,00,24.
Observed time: 5,03,51
